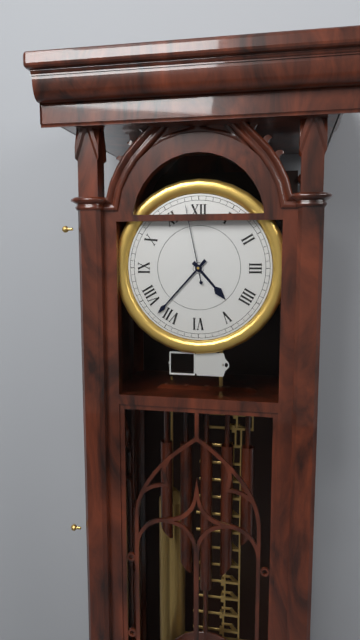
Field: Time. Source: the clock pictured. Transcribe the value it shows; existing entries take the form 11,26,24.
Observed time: 4,37,58
